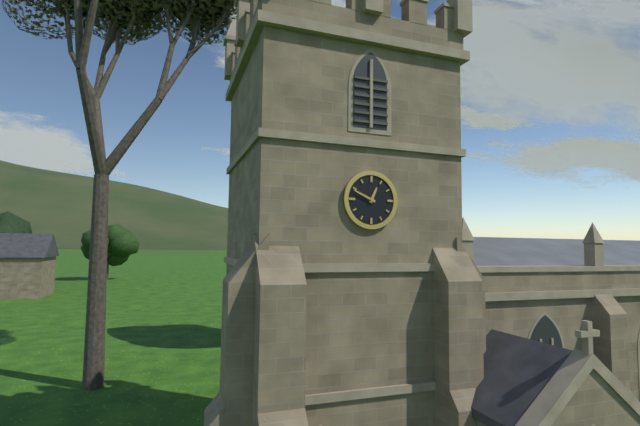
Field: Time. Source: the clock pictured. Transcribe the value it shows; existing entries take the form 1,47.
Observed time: 12,49
